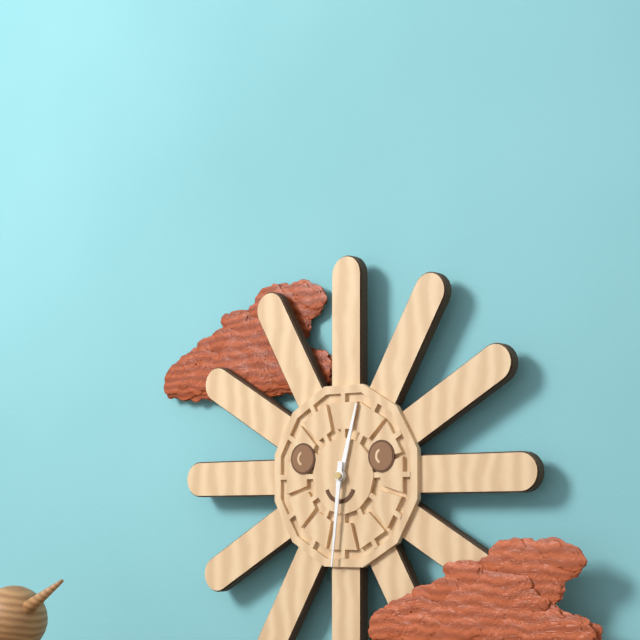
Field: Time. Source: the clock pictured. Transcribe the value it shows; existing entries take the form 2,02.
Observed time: 12,31
